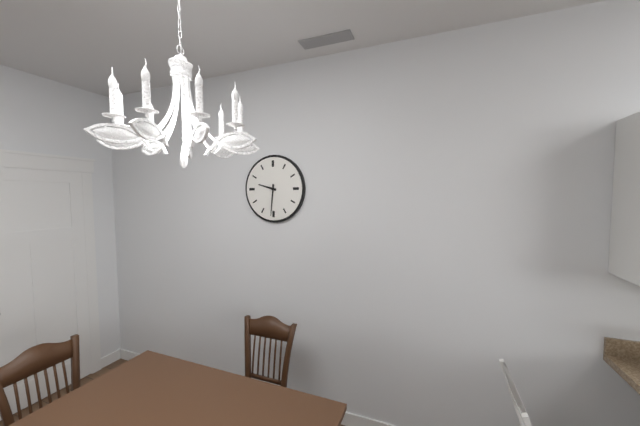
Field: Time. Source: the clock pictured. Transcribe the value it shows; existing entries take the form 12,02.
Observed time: 9,31
